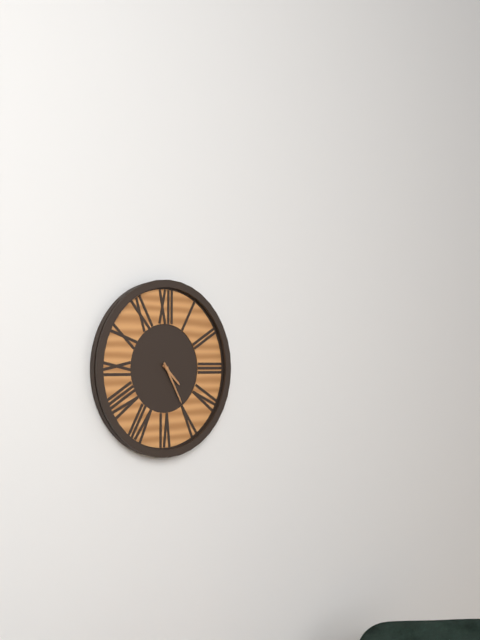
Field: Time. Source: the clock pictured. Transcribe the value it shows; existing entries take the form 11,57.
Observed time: 4,25
